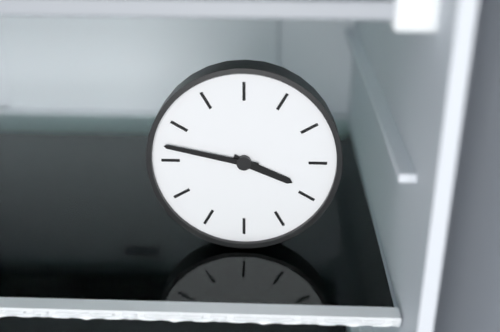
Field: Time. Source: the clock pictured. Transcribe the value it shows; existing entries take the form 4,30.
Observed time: 3,47
